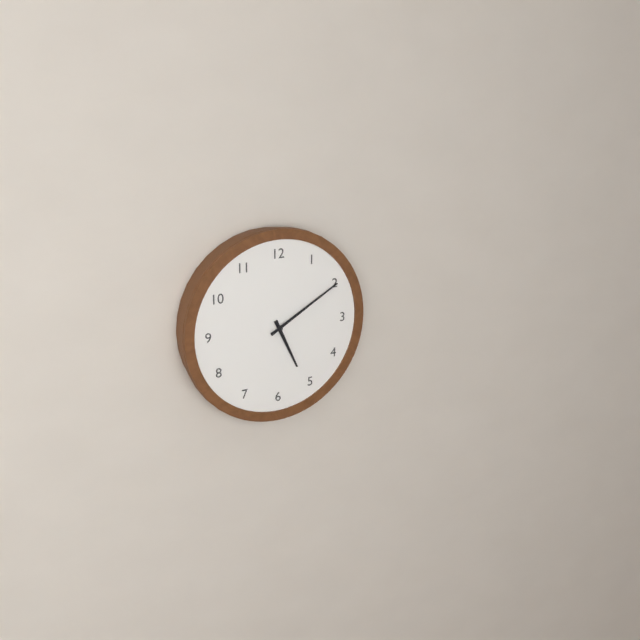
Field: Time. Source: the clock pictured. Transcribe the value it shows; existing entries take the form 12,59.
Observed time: 5,10
